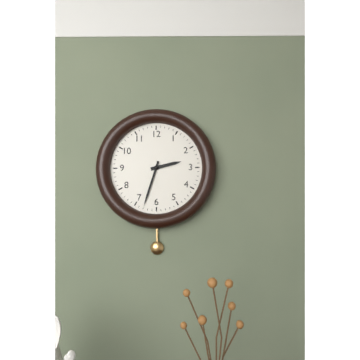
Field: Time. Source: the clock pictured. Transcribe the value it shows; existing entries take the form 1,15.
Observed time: 2,33
